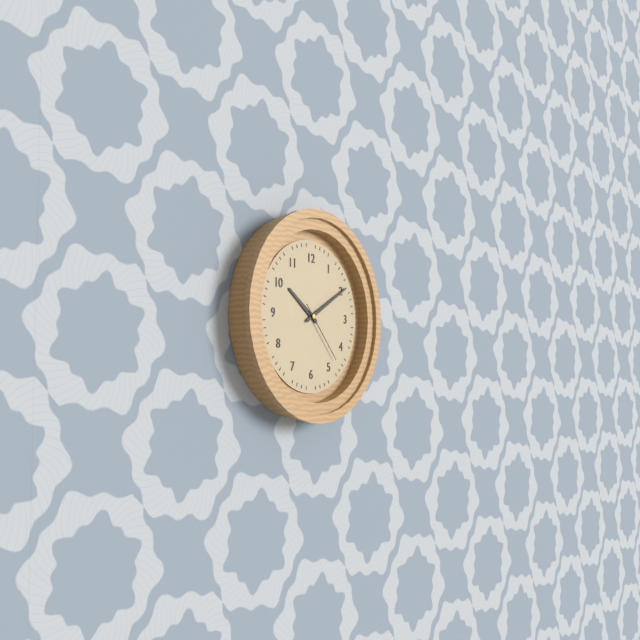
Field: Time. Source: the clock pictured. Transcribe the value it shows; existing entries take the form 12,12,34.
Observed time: 10,10,23
